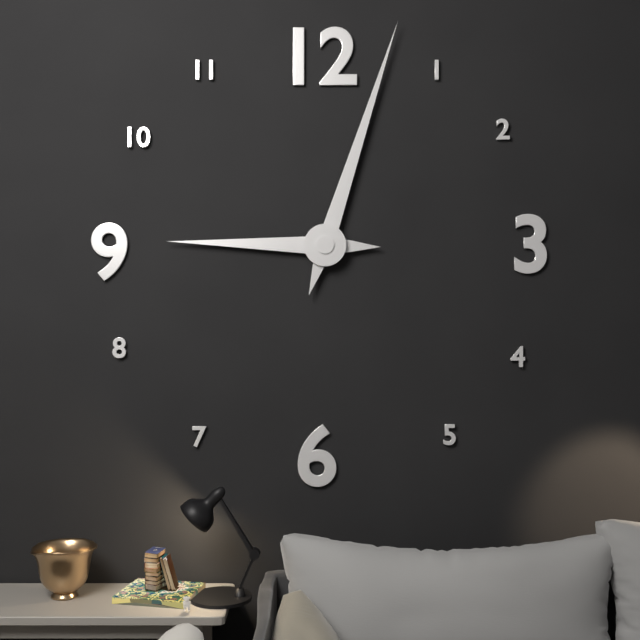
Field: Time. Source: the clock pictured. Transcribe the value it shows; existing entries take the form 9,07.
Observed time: 9,03
